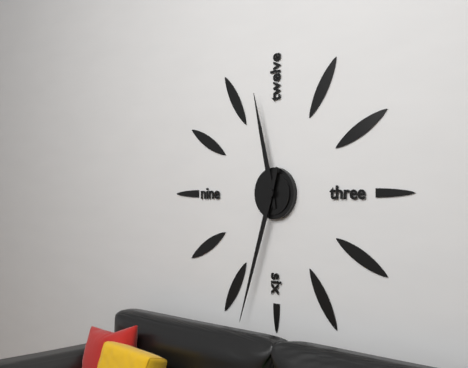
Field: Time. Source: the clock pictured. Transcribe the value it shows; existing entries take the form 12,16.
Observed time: 11,33
